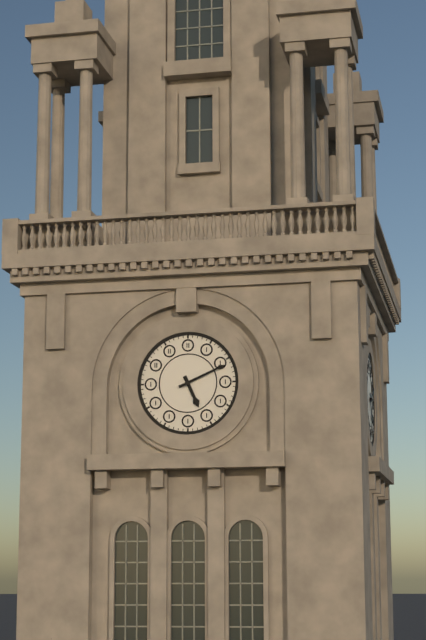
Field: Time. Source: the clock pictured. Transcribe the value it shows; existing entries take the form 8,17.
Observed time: 5,11
